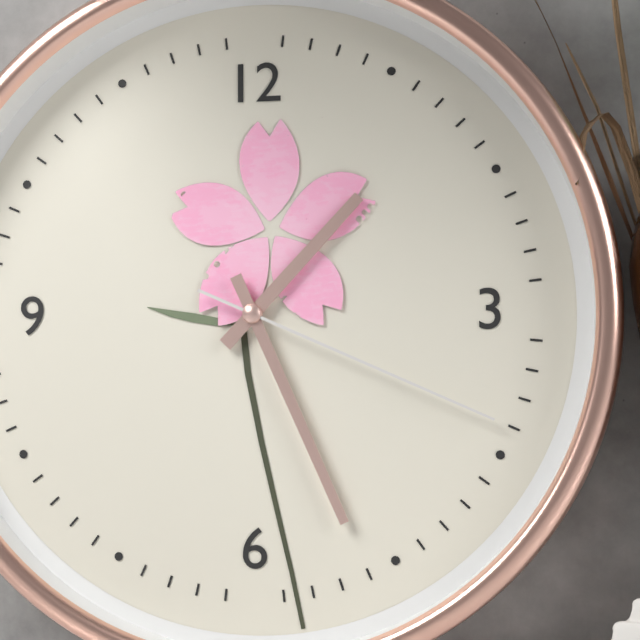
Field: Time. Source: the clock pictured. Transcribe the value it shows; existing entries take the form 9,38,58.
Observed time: 1,26,19
